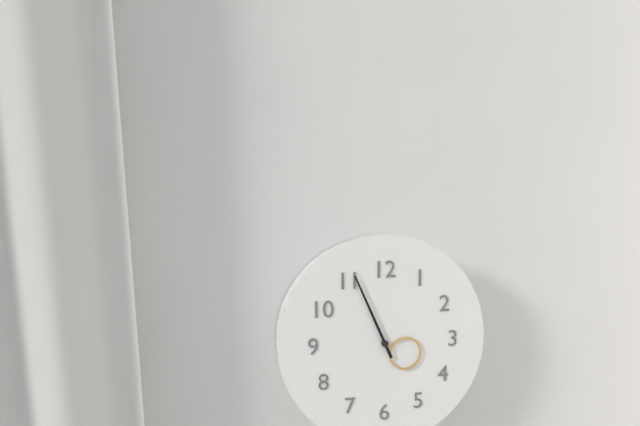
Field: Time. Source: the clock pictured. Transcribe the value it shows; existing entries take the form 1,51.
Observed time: 3,56
